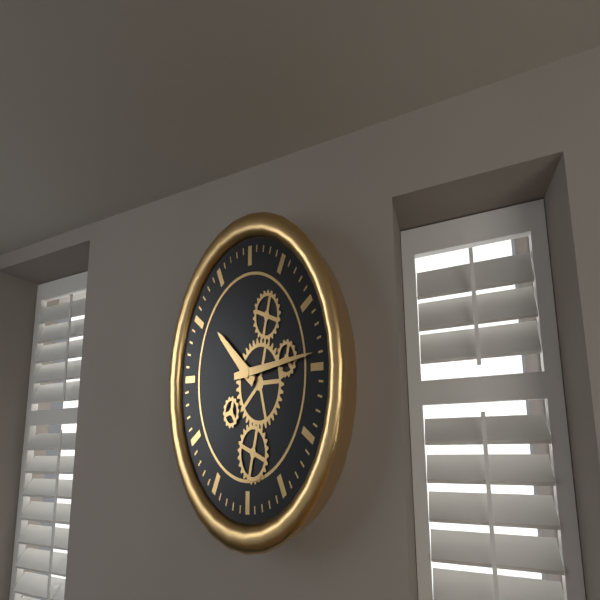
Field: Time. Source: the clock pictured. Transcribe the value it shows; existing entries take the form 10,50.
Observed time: 10,14
